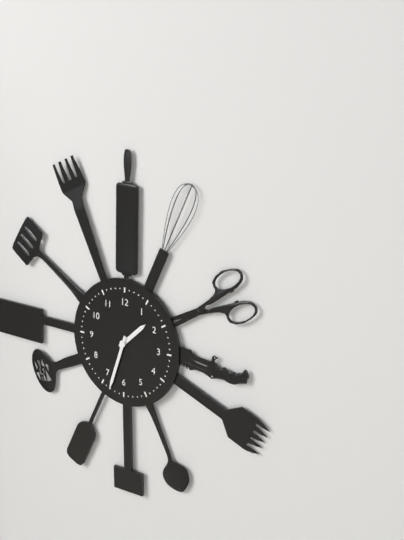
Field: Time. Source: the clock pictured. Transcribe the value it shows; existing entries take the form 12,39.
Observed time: 1,33
